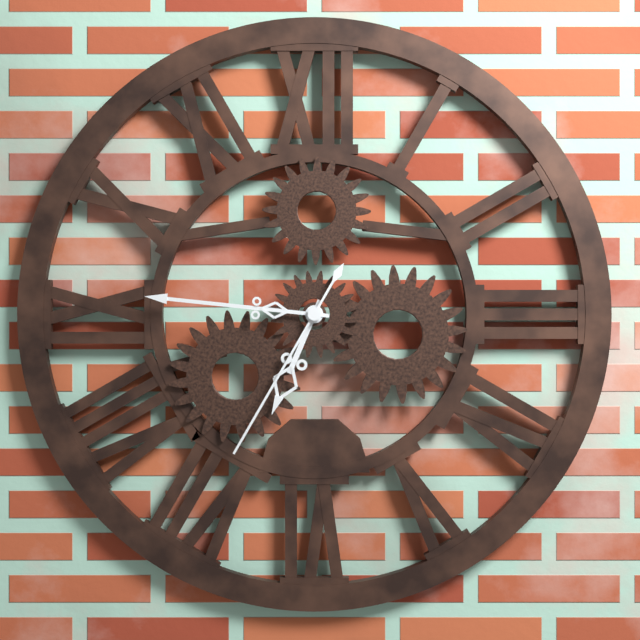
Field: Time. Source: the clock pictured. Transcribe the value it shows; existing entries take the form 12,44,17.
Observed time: 6,46,35
